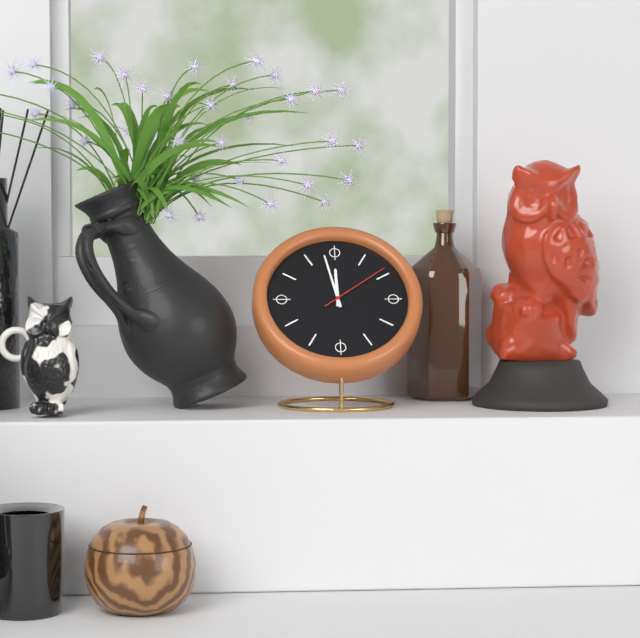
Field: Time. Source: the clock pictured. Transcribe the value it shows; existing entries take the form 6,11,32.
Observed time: 11,58,09
